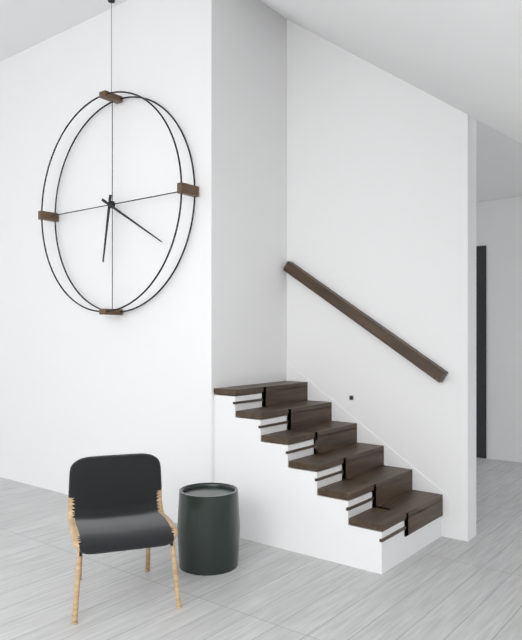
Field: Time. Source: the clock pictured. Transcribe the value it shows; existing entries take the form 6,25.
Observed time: 6,20
